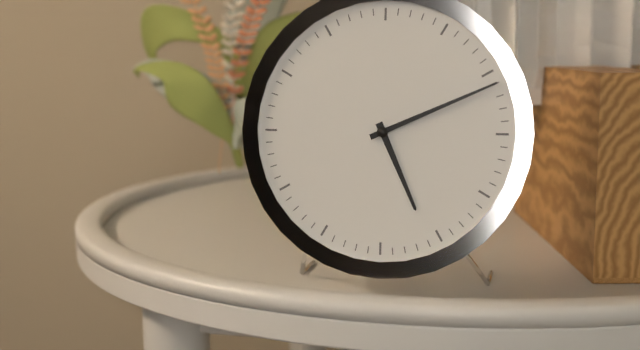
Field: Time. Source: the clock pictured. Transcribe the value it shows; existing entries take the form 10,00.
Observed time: 5,11
